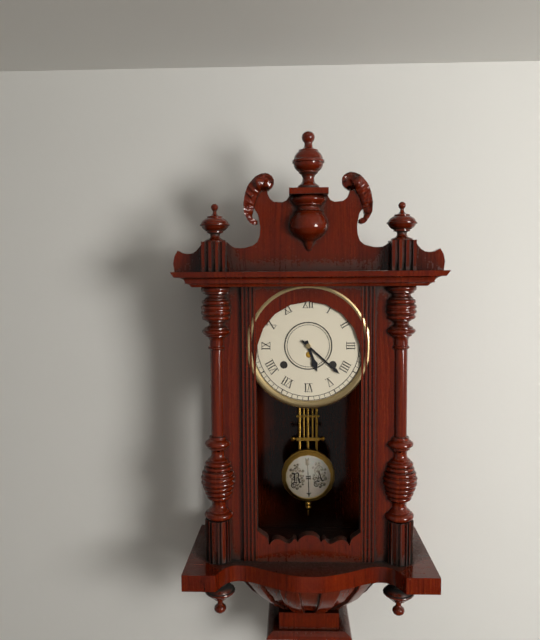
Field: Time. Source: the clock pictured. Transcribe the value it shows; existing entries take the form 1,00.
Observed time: 5,22
